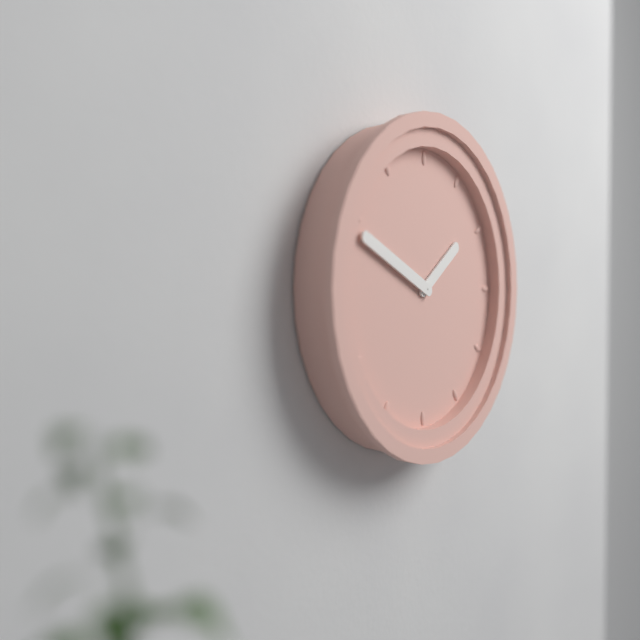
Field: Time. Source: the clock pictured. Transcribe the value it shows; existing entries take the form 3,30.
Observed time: 1,49
